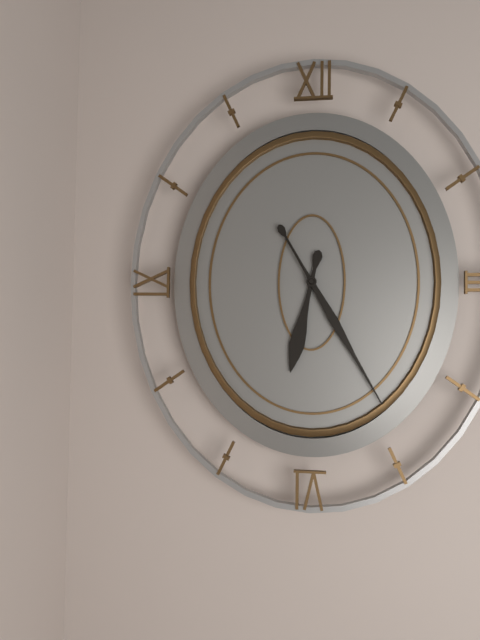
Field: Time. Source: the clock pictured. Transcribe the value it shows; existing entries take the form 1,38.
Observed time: 6,25
